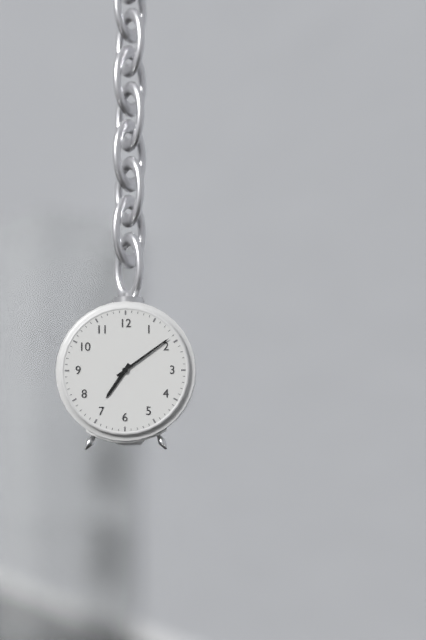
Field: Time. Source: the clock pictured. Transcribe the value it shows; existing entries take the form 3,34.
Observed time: 7,09
